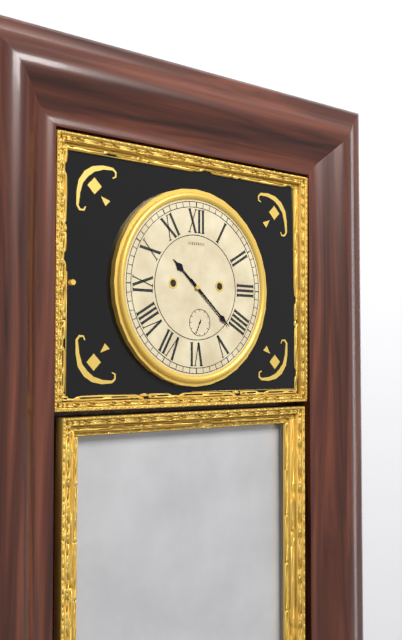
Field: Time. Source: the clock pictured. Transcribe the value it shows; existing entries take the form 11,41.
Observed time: 10,22
